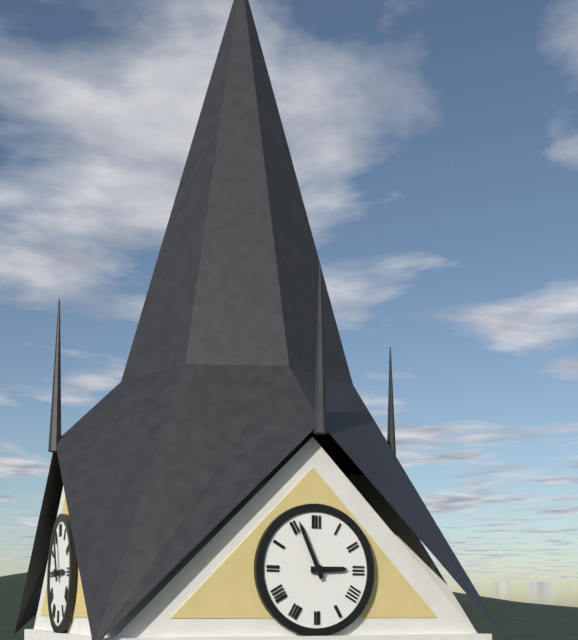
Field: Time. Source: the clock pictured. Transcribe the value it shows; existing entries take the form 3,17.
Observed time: 2,56
